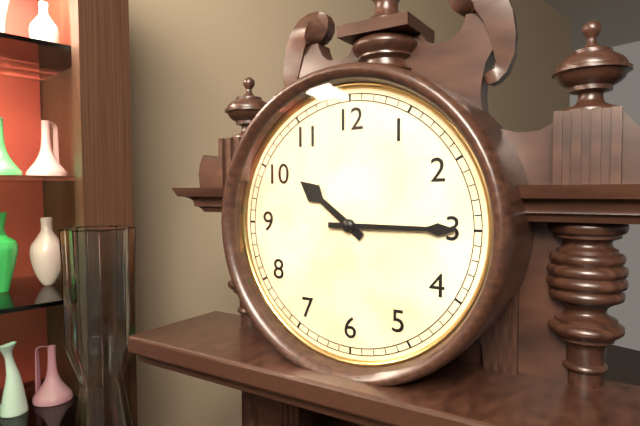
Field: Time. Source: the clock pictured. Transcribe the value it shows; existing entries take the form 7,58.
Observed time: 10,15
